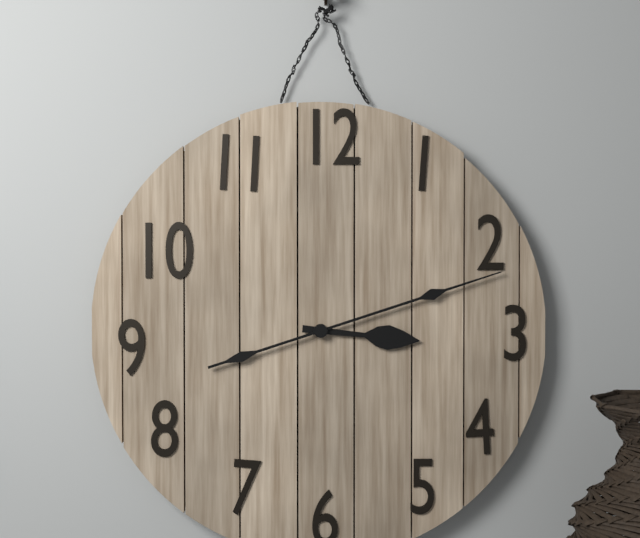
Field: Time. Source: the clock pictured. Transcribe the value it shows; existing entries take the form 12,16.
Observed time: 3,12
